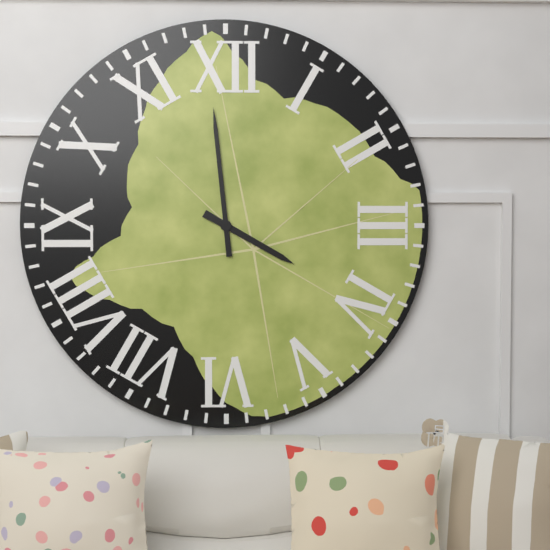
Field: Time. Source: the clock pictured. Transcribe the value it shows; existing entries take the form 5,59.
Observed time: 3,59
